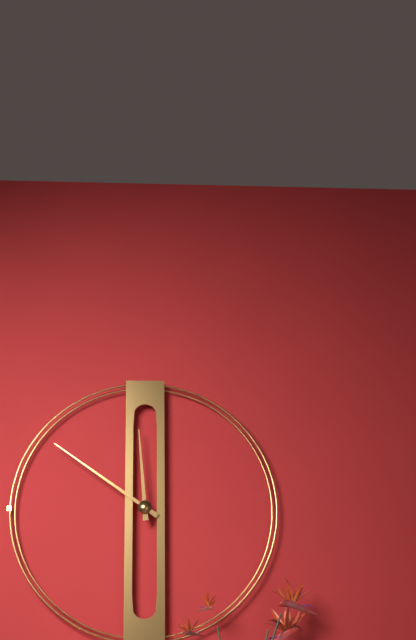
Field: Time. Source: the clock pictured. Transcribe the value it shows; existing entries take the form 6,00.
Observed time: 11,51
